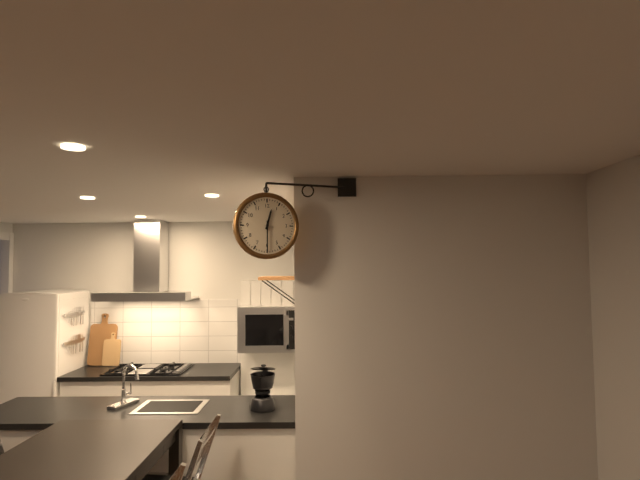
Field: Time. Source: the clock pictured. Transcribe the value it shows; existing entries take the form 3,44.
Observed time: 12,30
